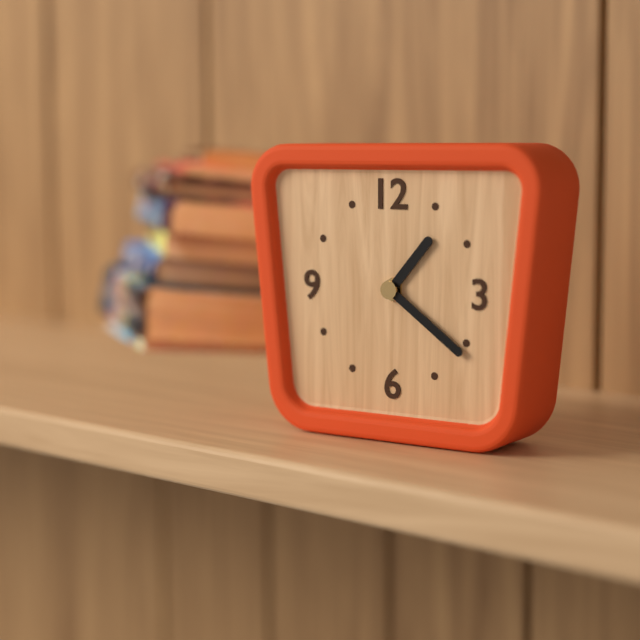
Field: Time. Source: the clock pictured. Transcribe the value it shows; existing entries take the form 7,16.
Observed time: 1,21
